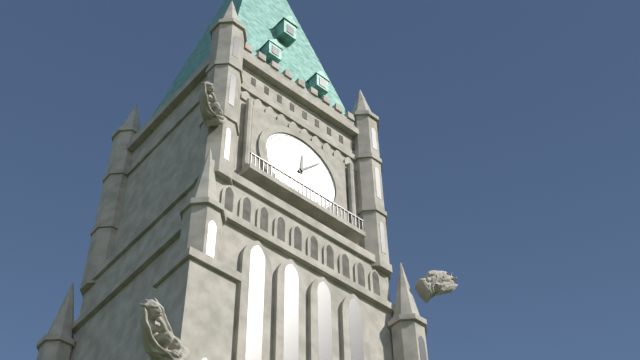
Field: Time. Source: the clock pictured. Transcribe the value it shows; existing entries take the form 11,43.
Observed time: 12,07
